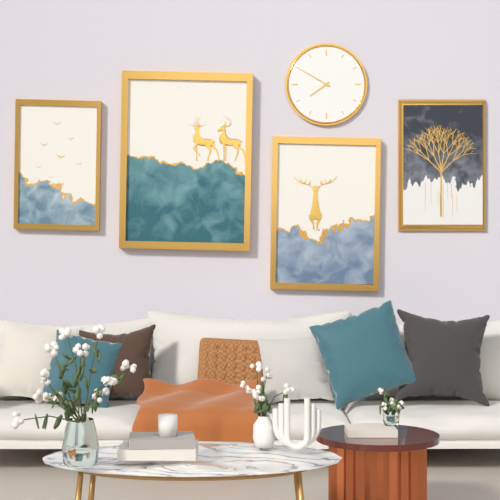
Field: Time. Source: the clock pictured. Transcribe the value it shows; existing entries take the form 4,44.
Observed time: 7,50
